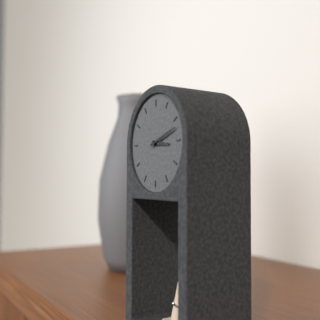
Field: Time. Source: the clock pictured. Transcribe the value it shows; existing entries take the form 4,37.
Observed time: 3,12
